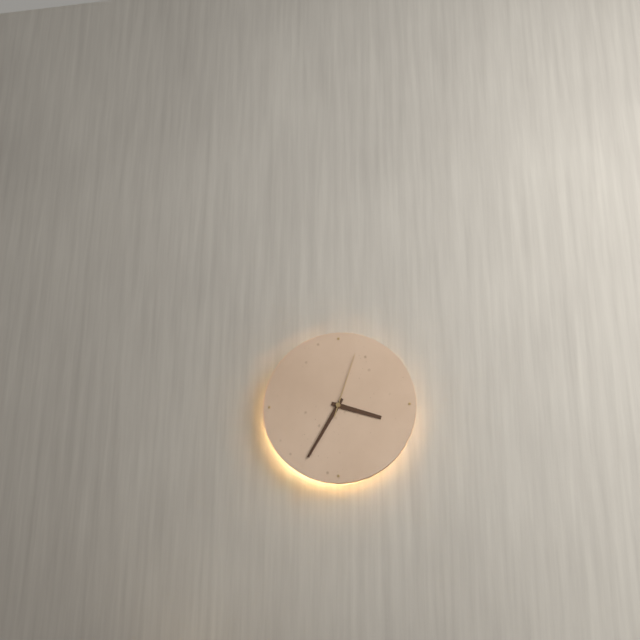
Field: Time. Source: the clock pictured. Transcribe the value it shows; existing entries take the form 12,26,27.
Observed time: 3,35,03
